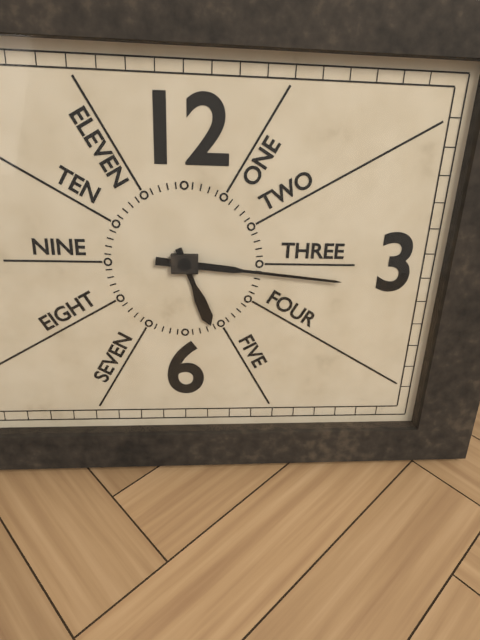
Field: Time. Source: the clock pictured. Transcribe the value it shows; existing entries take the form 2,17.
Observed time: 5,16
